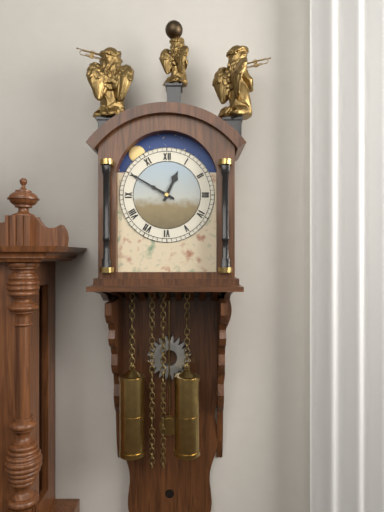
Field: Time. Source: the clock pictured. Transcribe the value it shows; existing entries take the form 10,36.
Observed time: 12,50
